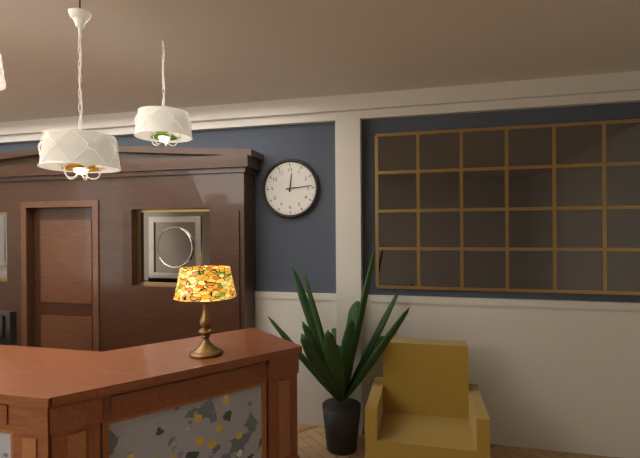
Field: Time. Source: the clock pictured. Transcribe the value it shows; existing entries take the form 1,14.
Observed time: 12,14
